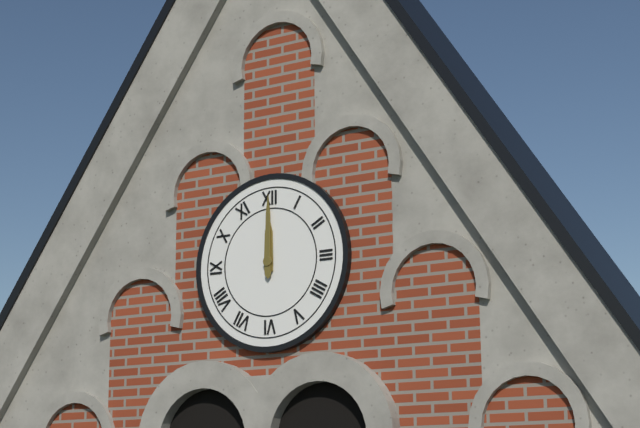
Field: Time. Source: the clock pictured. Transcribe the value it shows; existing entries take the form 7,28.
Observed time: 12,00
